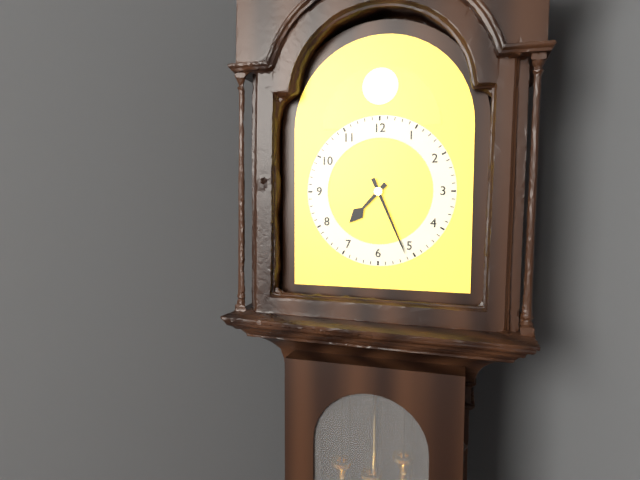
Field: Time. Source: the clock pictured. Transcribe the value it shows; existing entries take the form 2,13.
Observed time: 7,26
